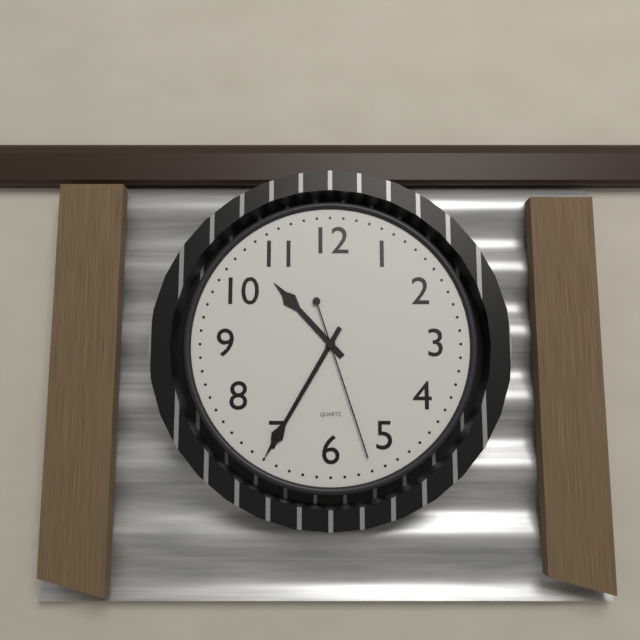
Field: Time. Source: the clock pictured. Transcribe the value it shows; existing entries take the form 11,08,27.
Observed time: 10,35,27
